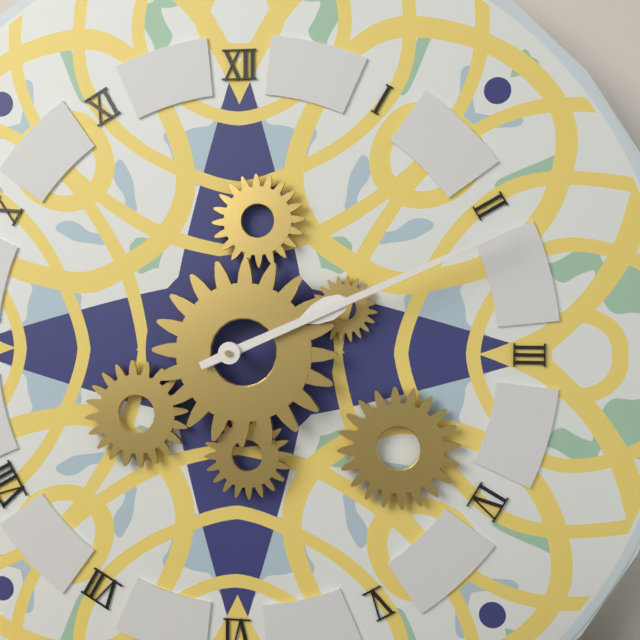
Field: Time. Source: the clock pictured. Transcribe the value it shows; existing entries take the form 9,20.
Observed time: 2,11
